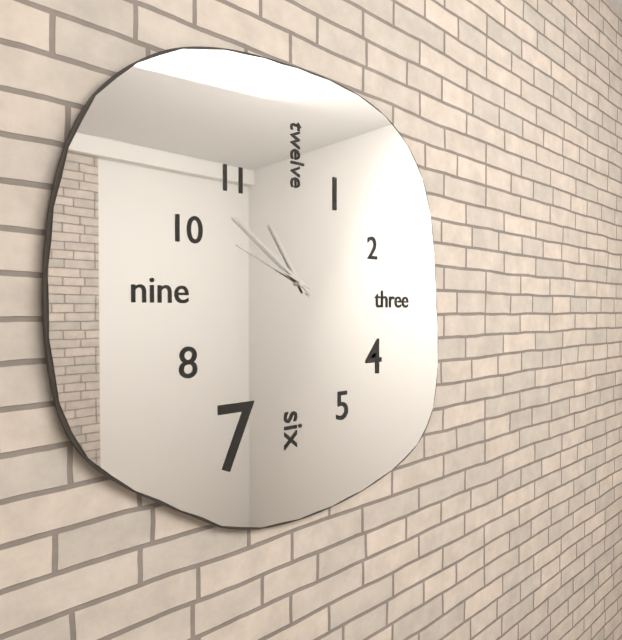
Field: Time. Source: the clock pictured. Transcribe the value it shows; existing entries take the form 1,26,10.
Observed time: 10,51,49
